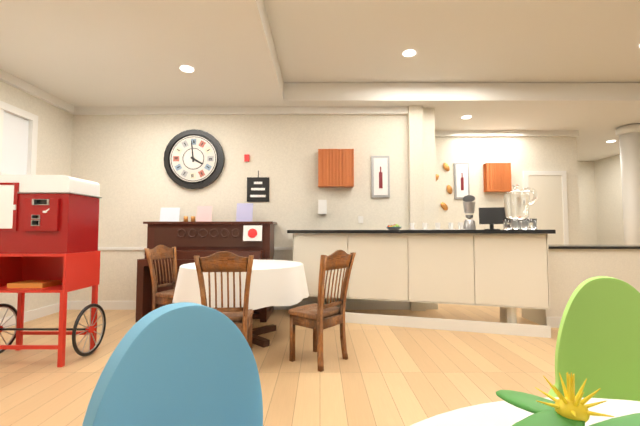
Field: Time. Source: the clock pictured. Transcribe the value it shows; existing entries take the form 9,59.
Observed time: 3,59
